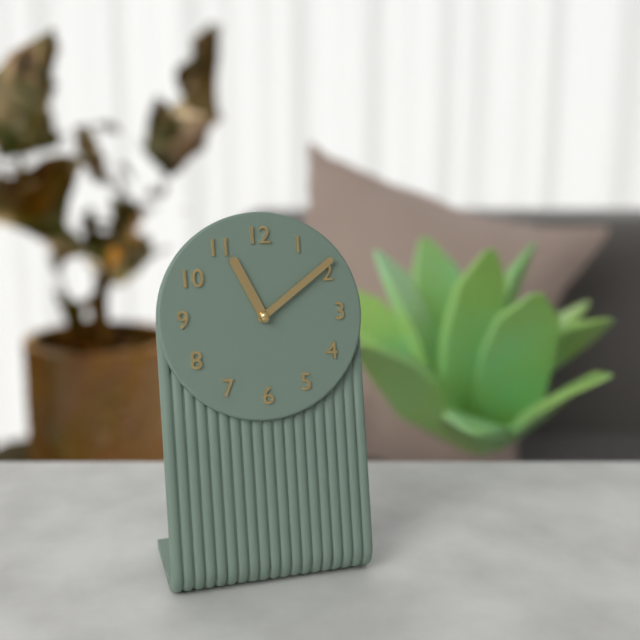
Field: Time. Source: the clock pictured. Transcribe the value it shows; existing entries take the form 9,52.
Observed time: 11,09
